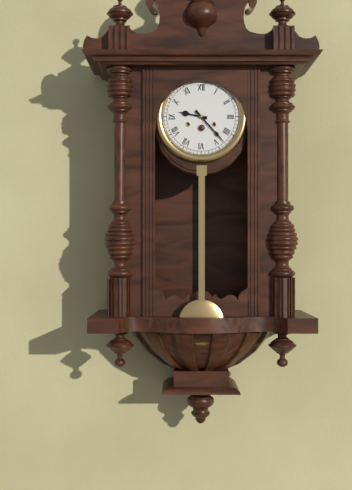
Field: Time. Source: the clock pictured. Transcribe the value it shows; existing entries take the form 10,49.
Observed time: 9,23
